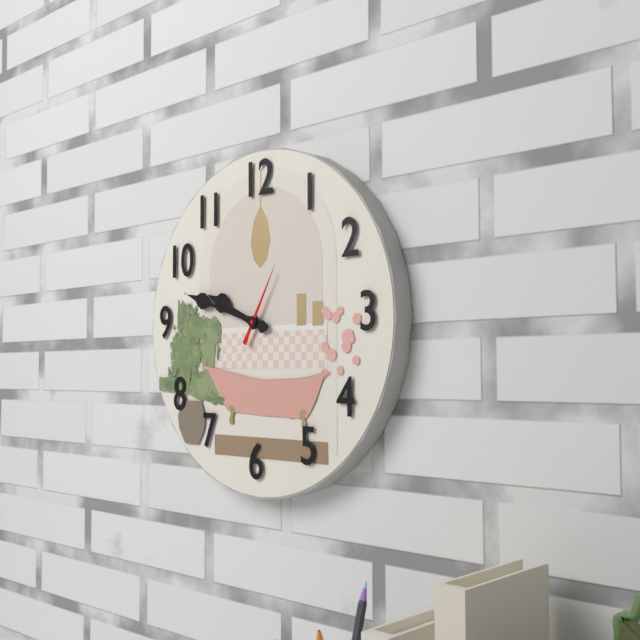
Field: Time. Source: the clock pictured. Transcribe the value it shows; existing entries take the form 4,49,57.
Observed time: 9,48,05
